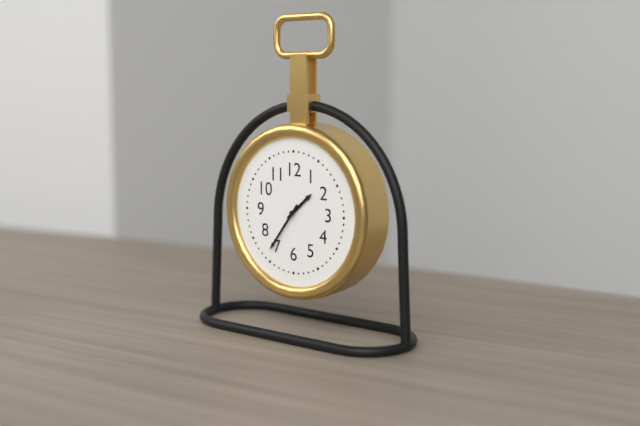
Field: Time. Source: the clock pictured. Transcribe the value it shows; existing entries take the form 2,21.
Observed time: 1,36
